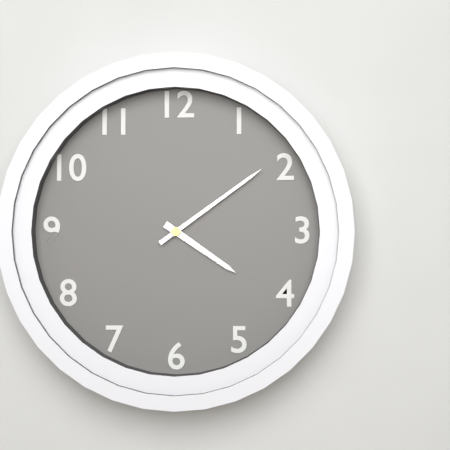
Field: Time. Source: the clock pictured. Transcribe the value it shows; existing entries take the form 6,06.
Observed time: 4,09
